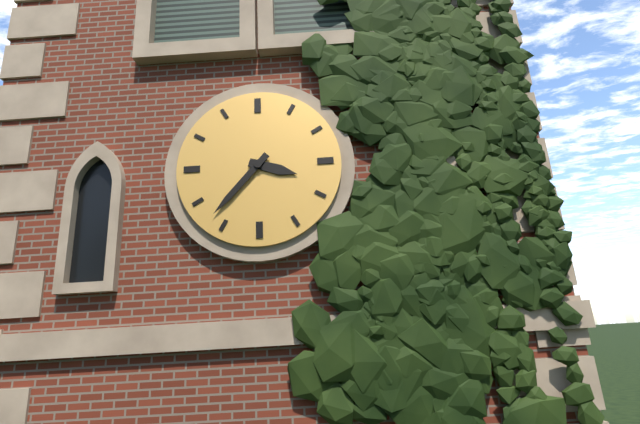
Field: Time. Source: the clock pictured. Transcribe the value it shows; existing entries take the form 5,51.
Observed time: 3,37
